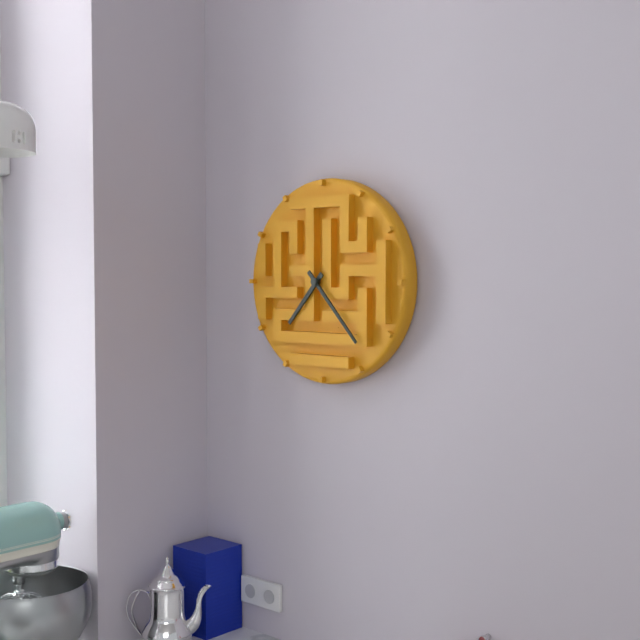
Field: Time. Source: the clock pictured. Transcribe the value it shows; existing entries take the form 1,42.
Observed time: 7,23
